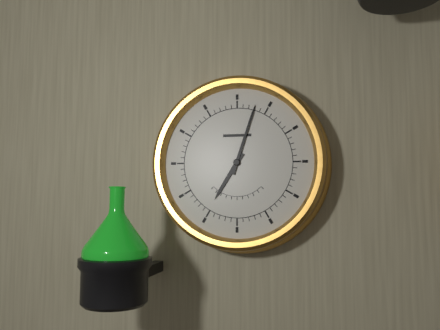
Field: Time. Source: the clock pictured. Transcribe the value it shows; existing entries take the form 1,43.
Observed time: 7,03
